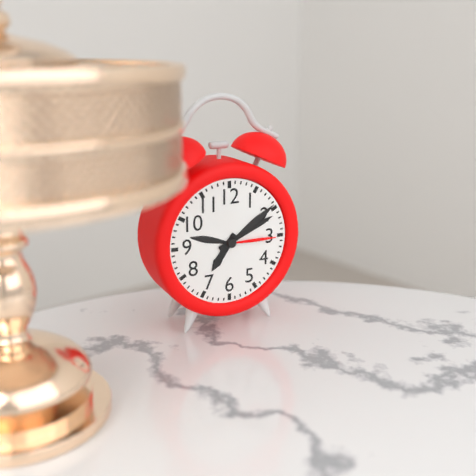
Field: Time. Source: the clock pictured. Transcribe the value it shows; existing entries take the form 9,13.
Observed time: 7,11
